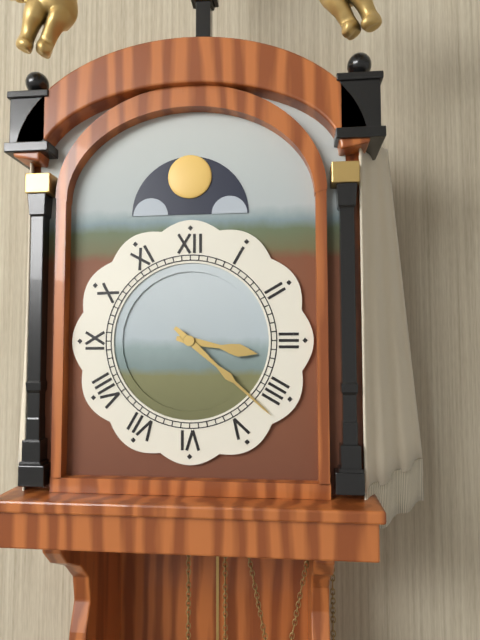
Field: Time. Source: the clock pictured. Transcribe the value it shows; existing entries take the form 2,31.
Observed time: 3,22
